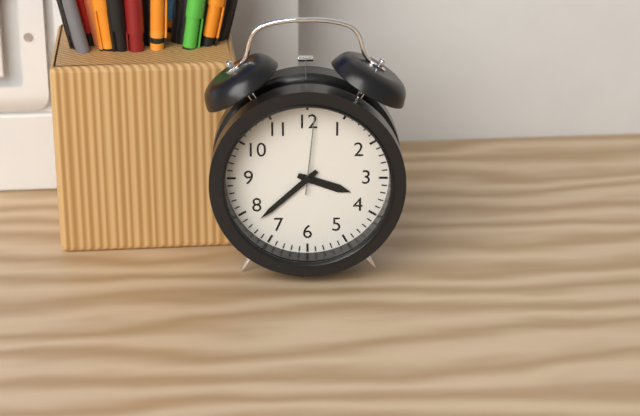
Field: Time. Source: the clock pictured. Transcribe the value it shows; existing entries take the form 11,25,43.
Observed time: 3,38,01
